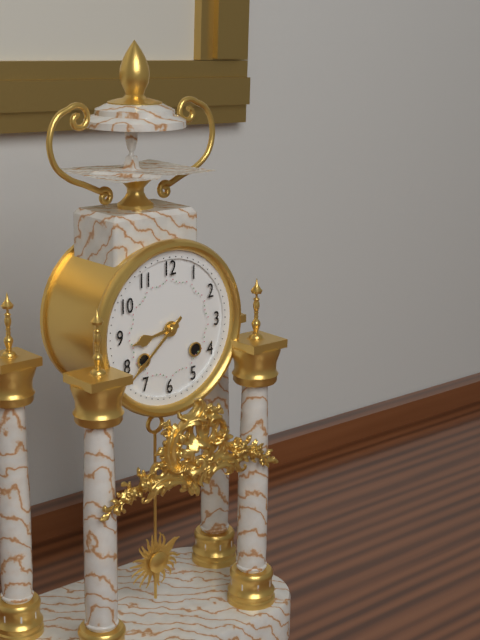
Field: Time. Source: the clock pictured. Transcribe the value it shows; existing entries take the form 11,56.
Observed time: 8,38
